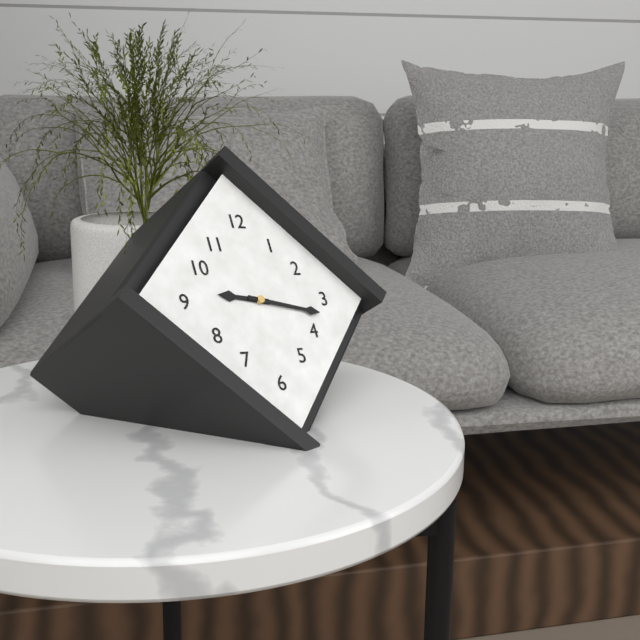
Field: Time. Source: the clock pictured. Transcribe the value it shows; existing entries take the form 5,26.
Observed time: 9,17
